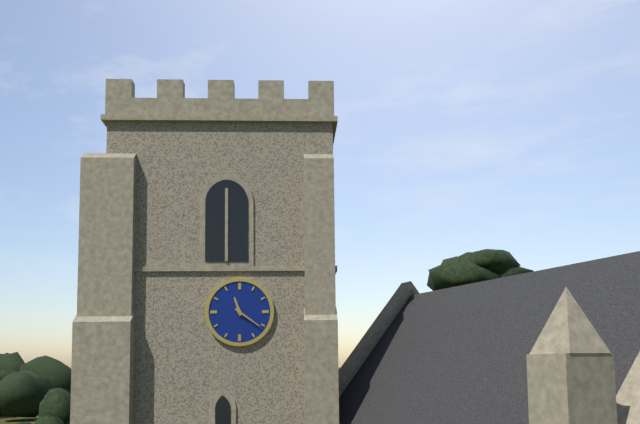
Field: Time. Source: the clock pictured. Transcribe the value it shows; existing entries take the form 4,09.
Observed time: 11,21
